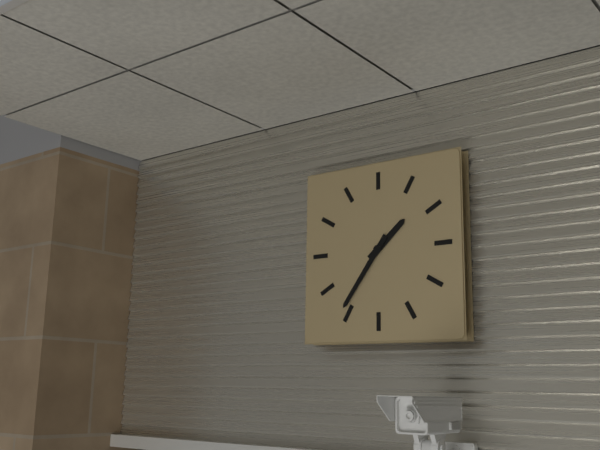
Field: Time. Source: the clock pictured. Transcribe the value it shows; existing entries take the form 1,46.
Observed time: 1,36
